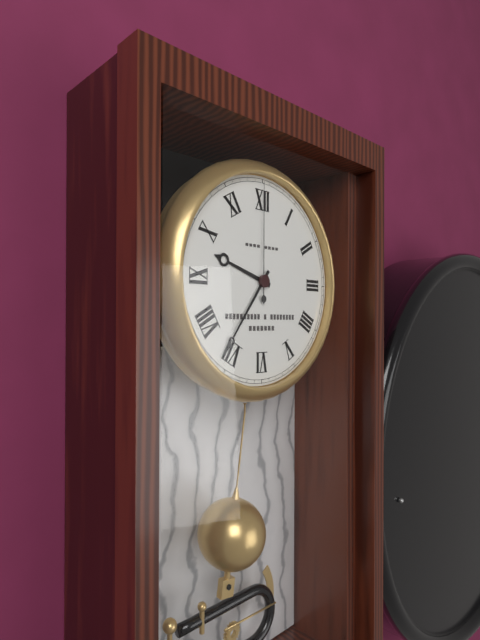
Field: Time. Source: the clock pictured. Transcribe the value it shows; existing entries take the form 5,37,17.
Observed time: 9,36,00
